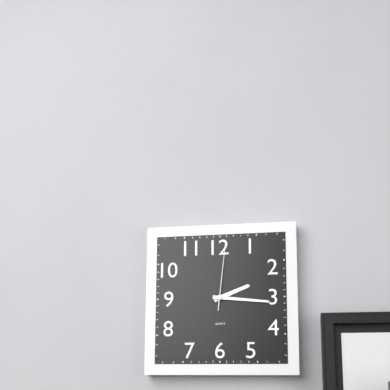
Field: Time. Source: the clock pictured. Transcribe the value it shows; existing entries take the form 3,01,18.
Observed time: 2,16,01
